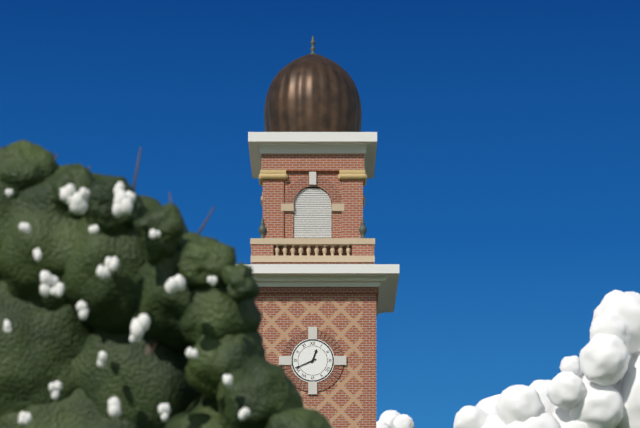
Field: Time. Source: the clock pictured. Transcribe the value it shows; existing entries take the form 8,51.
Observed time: 12,41
